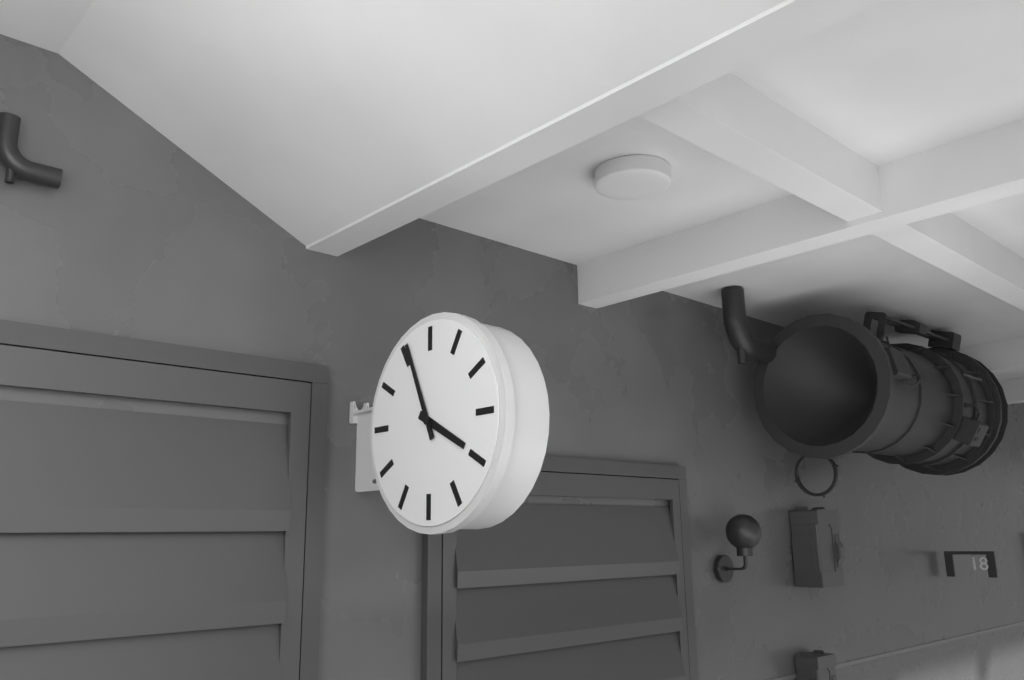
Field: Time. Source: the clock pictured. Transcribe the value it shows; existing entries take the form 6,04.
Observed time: 3,56
